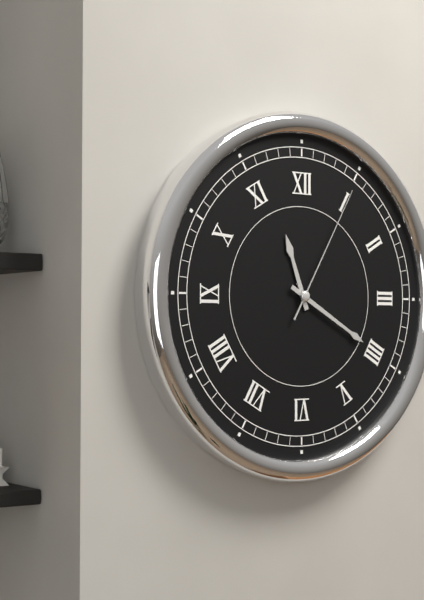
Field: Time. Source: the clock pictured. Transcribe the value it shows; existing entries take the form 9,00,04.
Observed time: 11,20,05
